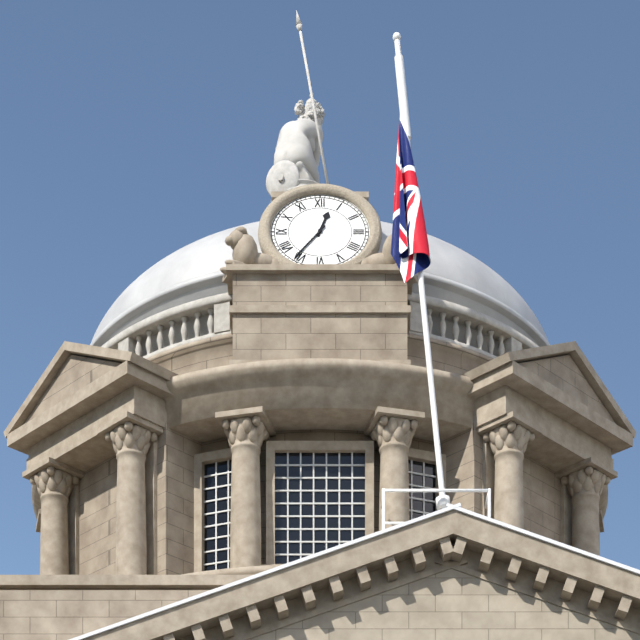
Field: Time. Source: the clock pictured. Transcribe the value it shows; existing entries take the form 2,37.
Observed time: 12,36
